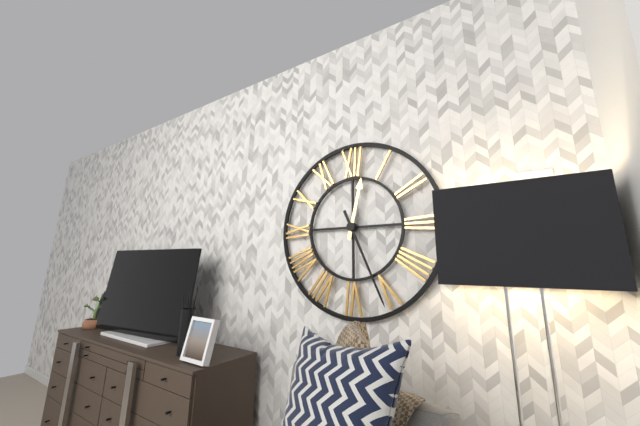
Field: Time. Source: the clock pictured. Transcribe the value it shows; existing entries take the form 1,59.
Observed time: 12,26
